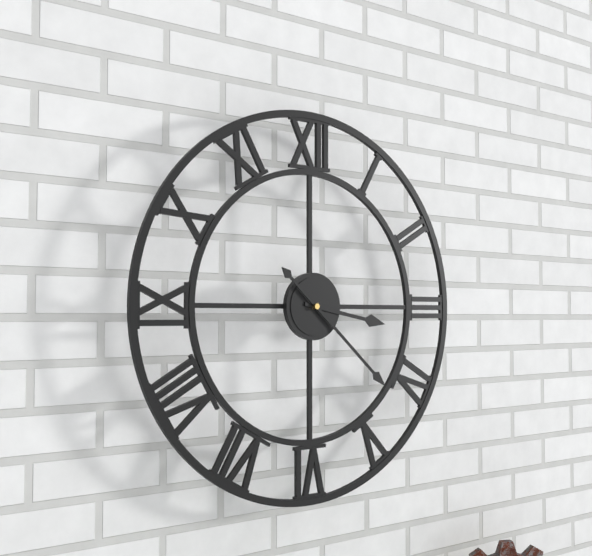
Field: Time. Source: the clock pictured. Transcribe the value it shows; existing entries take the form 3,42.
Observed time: 3,22
